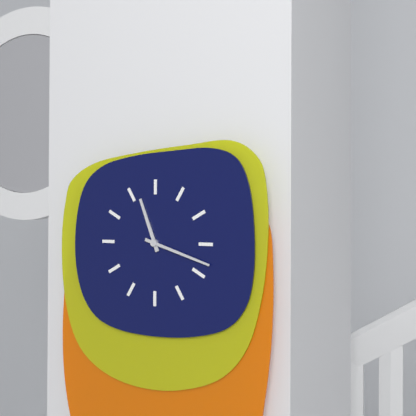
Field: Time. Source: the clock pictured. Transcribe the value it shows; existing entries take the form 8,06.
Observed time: 11,18
